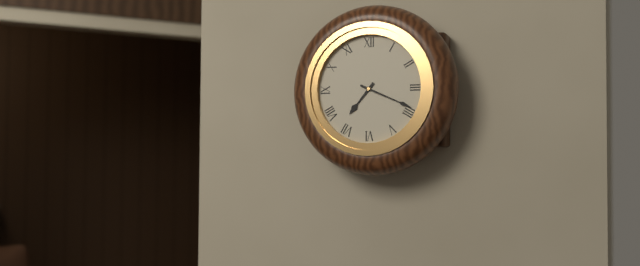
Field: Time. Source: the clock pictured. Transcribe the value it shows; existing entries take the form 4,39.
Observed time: 7,19
